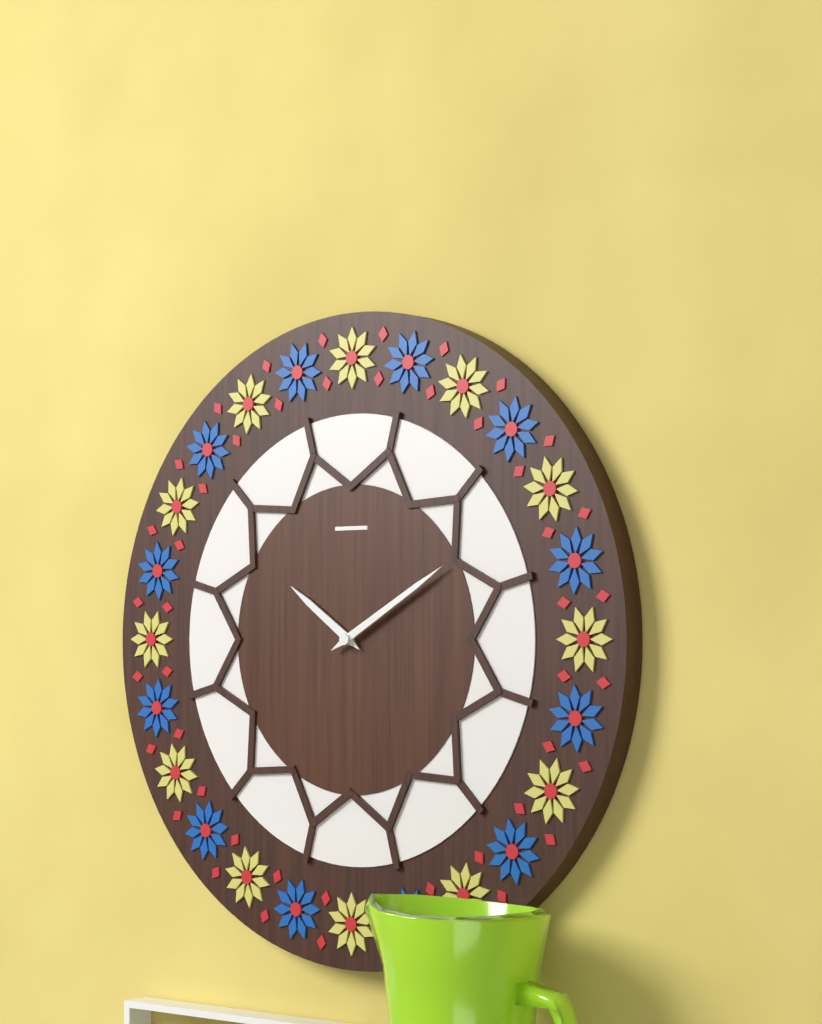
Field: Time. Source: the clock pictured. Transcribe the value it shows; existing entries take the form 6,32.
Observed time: 10,10
